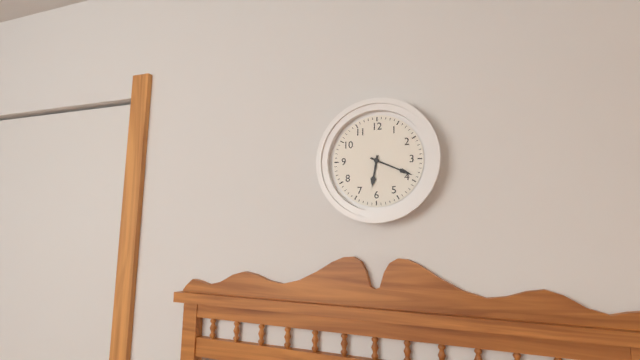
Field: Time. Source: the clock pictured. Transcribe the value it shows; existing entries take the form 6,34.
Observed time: 6,19
